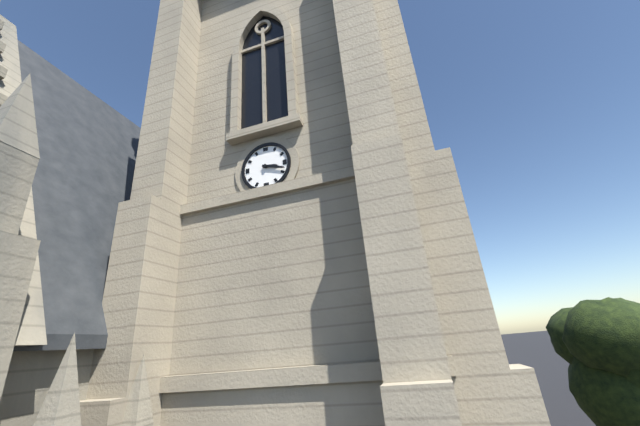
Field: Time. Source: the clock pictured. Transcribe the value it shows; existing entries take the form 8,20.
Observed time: 3,18
